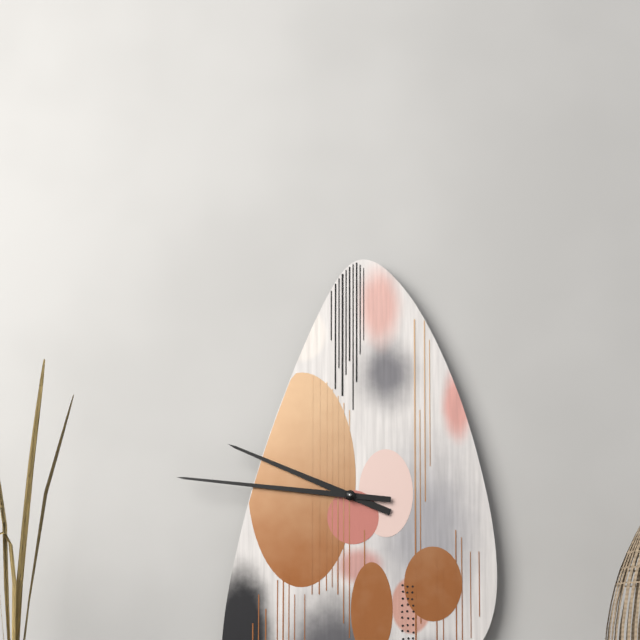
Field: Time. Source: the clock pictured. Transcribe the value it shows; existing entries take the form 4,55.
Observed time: 9,46
